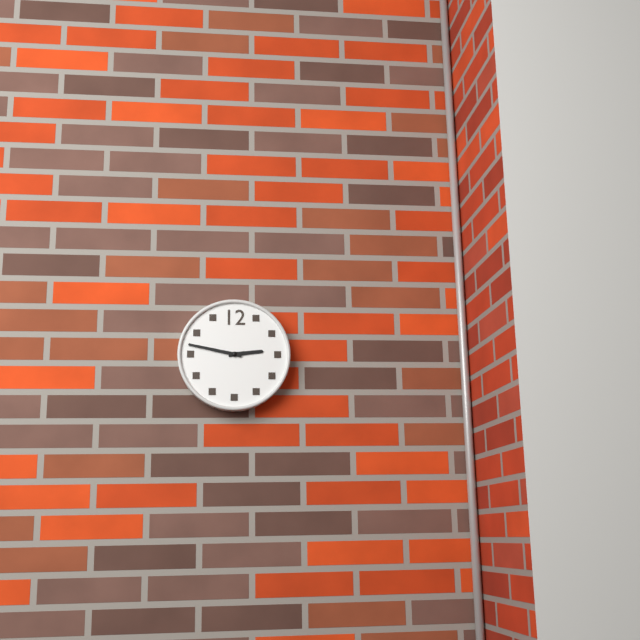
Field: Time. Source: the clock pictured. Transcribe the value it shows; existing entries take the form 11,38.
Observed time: 2,47
